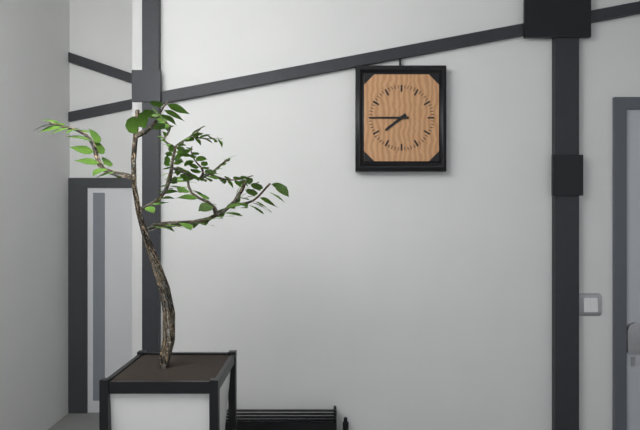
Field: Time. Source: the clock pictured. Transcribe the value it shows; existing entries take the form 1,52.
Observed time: 7,45
